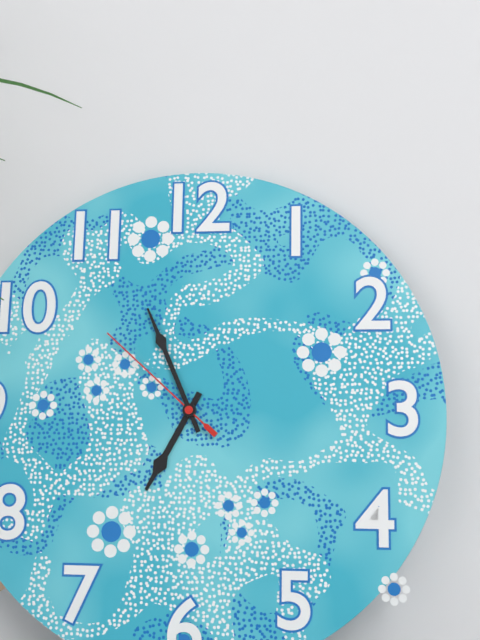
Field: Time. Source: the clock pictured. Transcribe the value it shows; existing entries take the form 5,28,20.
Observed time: 6,56,52
